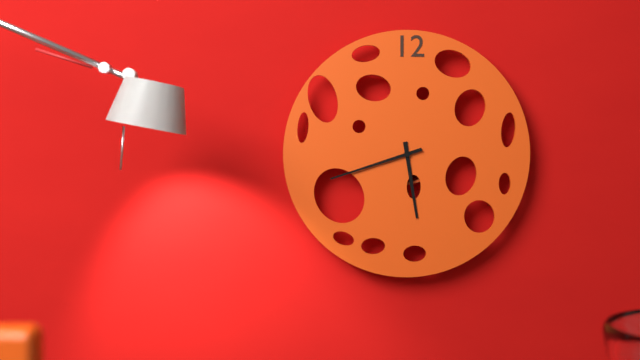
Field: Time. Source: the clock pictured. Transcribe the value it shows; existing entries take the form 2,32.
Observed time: 5,42
